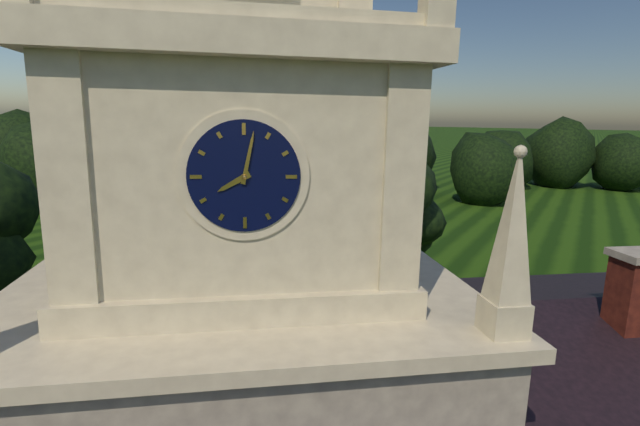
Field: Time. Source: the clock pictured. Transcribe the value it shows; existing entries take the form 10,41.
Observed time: 8,02
